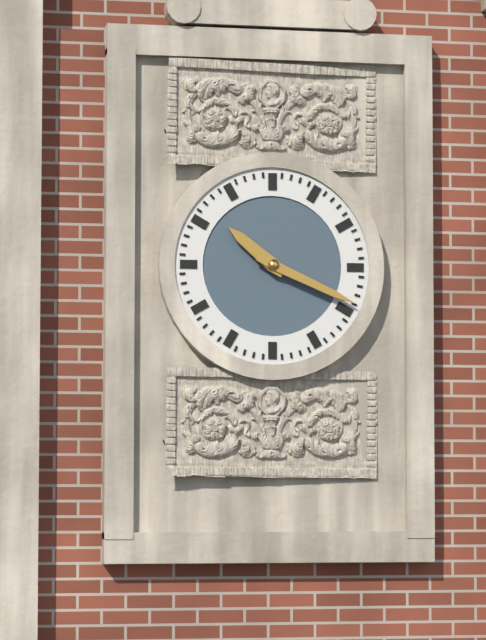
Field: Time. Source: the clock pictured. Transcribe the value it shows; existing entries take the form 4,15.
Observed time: 10,19
